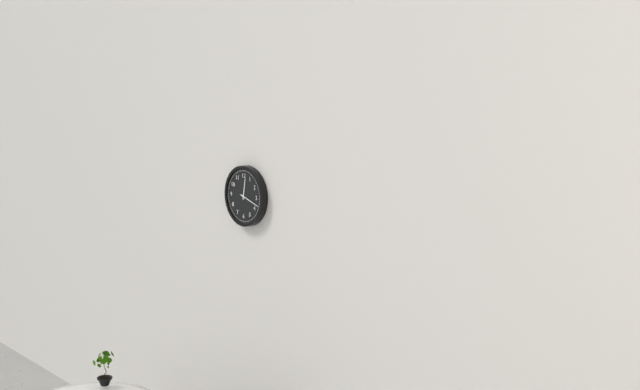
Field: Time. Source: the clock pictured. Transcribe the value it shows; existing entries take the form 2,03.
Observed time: 12,18
